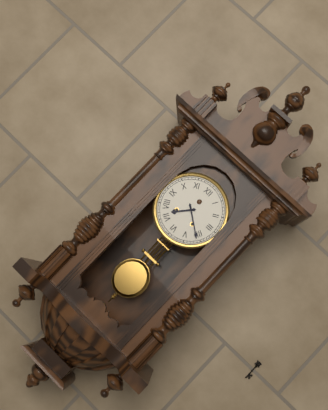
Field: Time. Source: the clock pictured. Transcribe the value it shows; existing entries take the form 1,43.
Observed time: 7,21
